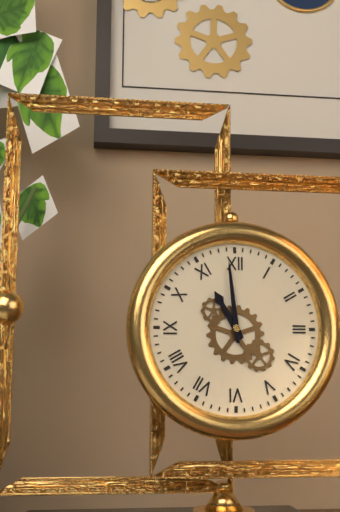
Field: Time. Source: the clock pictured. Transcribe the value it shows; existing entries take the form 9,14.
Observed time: 10,59
